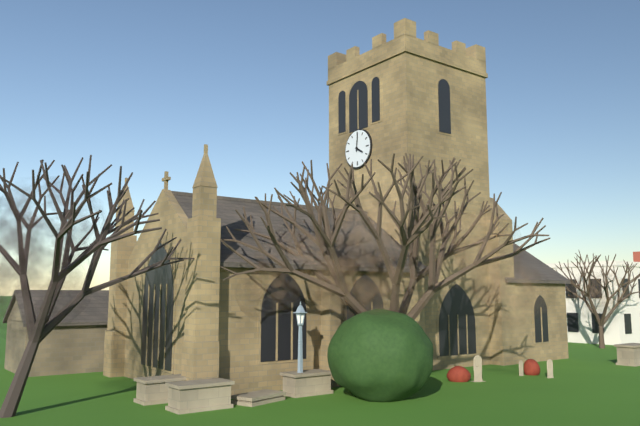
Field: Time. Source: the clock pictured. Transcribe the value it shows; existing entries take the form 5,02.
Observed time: 4,01
